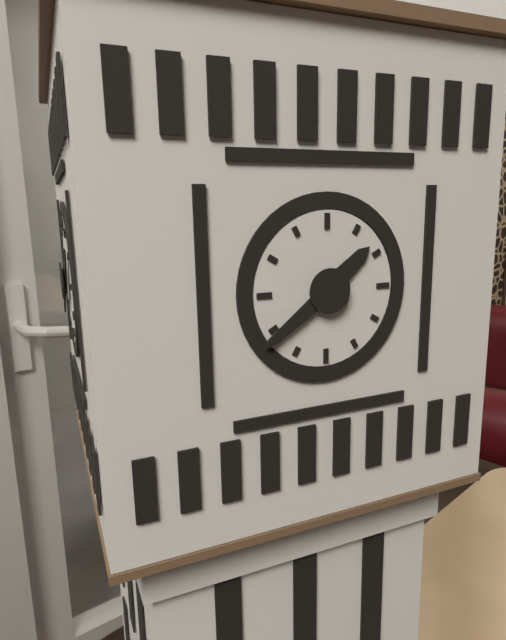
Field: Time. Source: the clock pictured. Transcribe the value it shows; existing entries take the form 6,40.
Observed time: 1,39
